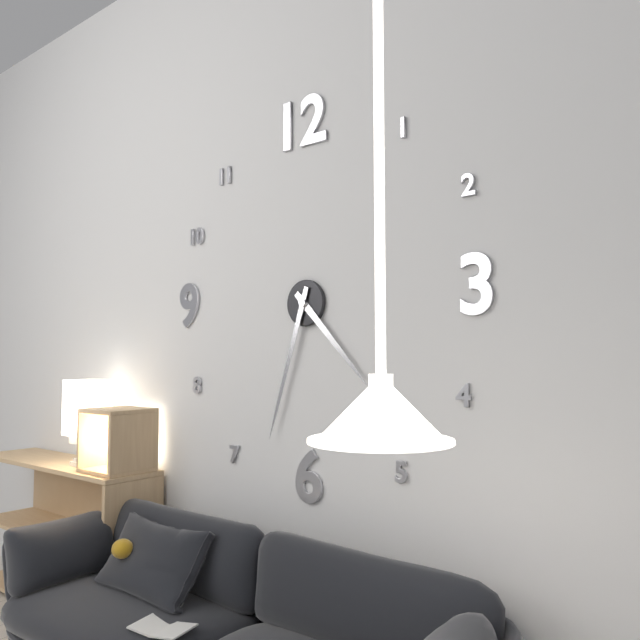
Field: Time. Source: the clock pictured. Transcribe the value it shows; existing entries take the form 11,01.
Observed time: 4,33
